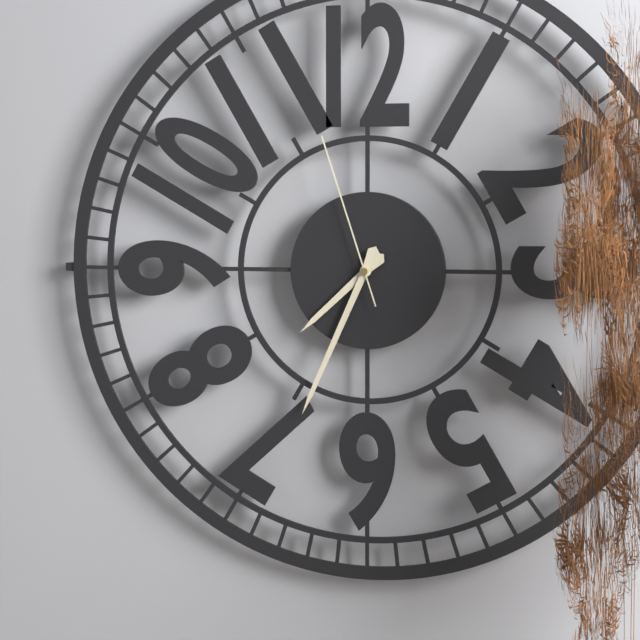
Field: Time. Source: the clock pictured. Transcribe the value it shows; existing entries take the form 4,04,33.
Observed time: 7,34,57
